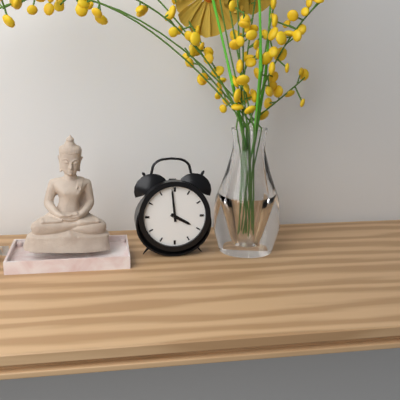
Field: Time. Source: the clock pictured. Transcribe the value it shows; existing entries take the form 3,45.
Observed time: 3,59
